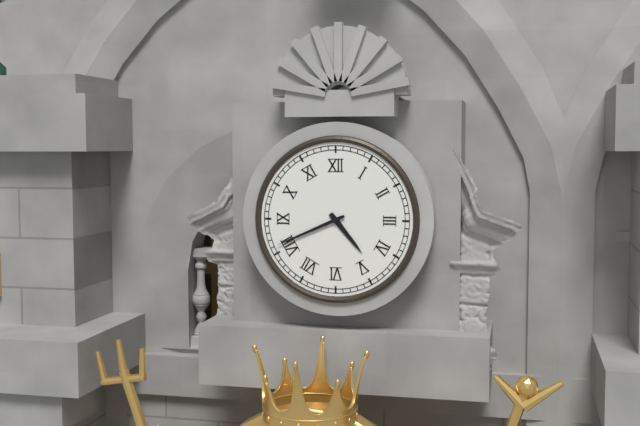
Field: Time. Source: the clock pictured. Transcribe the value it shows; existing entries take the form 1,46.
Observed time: 4,41
